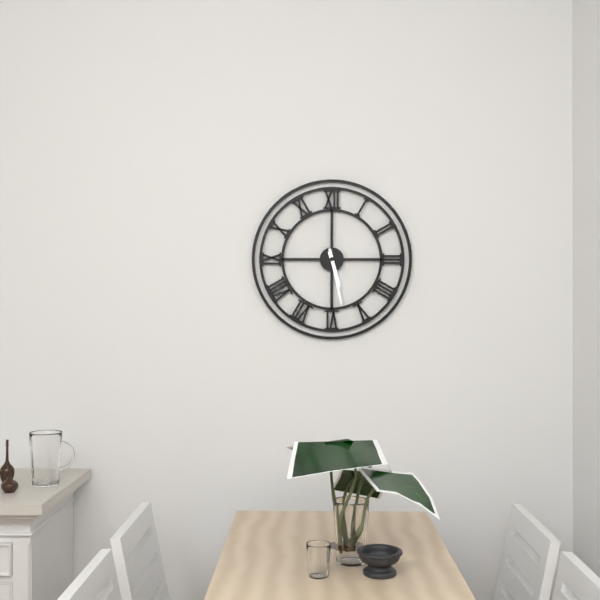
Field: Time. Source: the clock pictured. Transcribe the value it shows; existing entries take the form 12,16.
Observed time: 5,28
